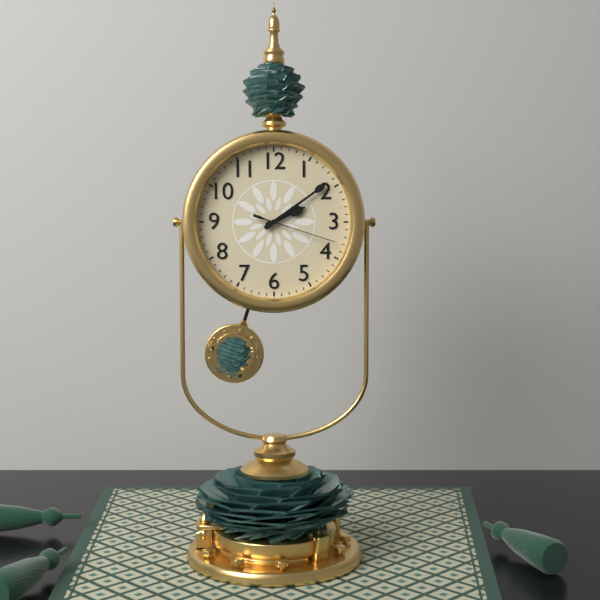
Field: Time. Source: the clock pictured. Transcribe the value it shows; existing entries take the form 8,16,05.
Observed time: 2,09,18
